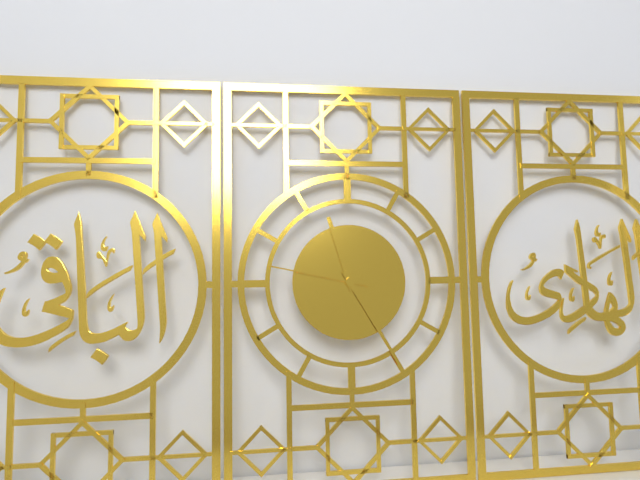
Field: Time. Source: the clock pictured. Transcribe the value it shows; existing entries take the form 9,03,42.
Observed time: 11,25,47
